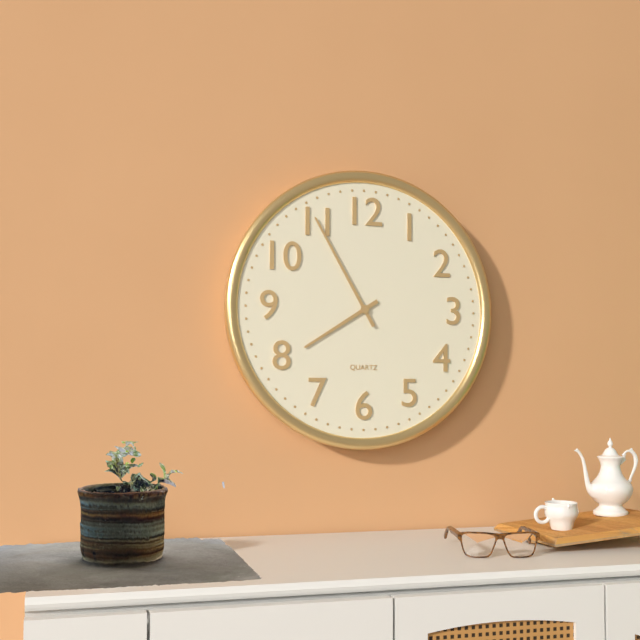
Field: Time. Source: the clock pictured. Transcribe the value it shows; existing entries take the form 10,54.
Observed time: 7,55
